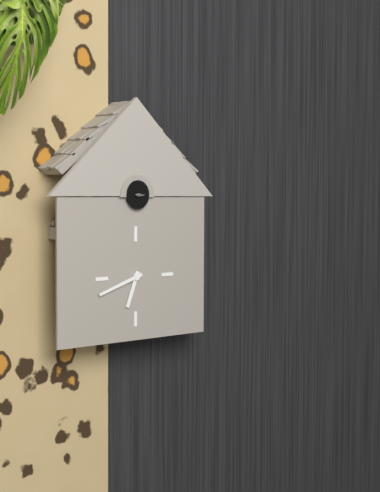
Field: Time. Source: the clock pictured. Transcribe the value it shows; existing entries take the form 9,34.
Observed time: 6,42
